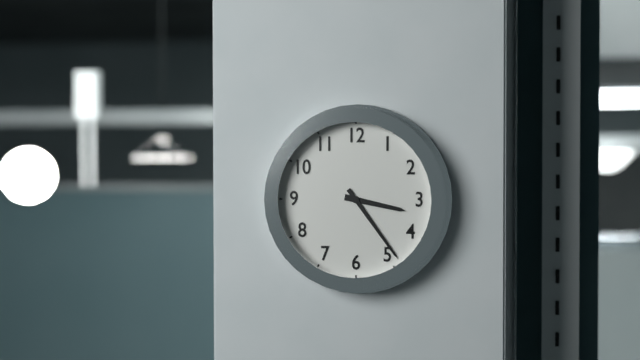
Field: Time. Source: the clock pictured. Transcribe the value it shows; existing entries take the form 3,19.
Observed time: 3,24
